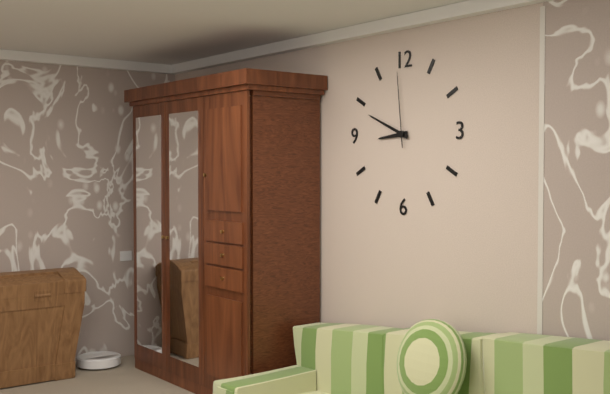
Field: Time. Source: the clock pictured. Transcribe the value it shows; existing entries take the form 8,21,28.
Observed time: 8,49,59
